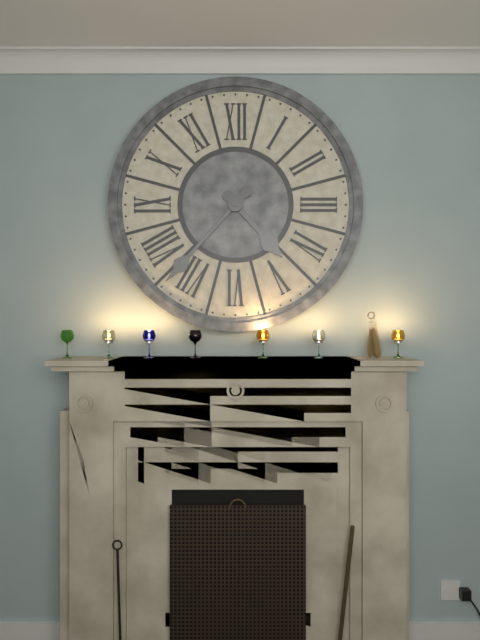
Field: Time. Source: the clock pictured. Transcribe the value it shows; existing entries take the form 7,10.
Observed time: 4,37
